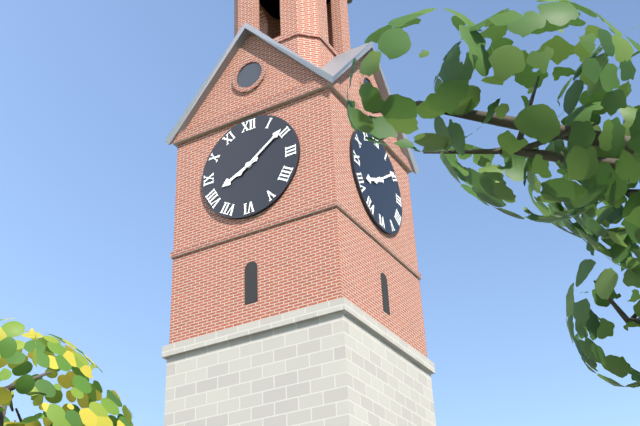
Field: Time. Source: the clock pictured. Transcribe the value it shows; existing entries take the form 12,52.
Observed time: 8,09
